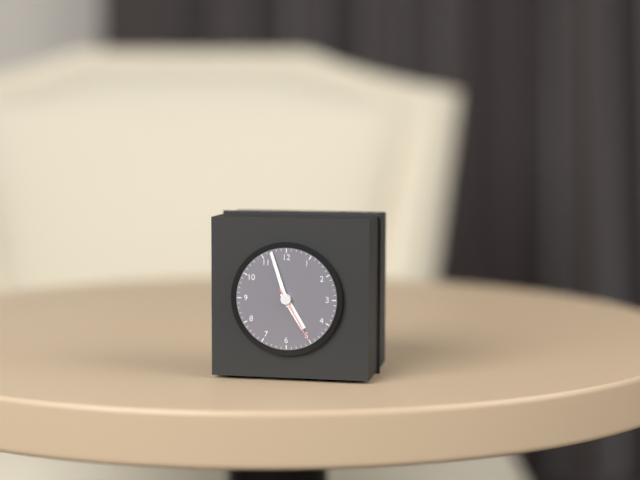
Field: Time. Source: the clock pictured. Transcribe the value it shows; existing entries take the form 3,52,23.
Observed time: 4,57,25
